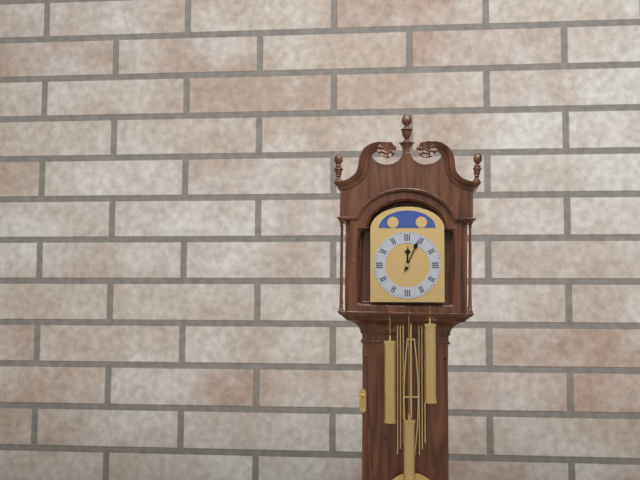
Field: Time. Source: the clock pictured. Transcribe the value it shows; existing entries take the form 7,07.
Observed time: 12,04
